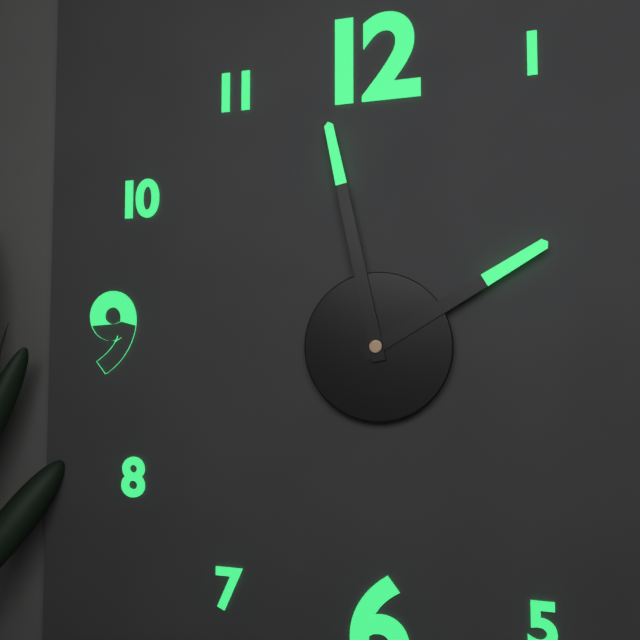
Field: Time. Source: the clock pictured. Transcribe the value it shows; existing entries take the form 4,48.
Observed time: 1,58
